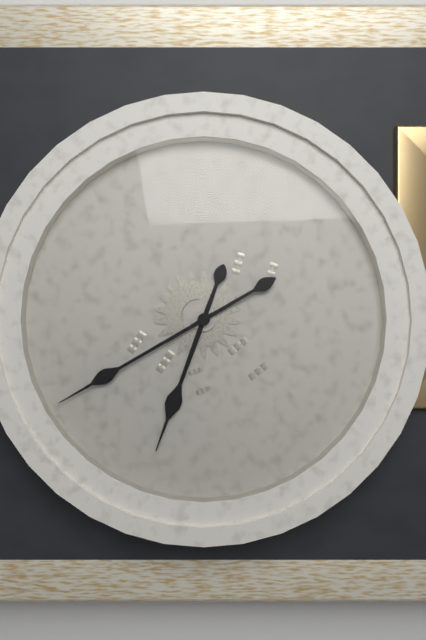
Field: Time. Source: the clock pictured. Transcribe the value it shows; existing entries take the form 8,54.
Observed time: 6,40
